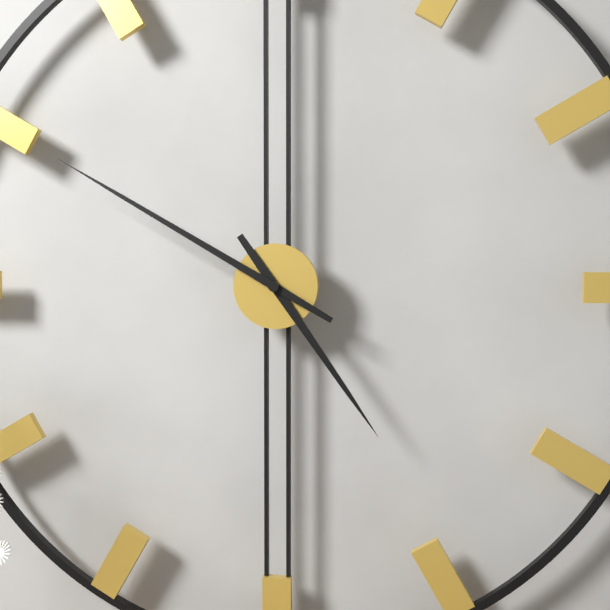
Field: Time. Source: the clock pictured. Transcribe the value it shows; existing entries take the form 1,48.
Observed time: 4,50
